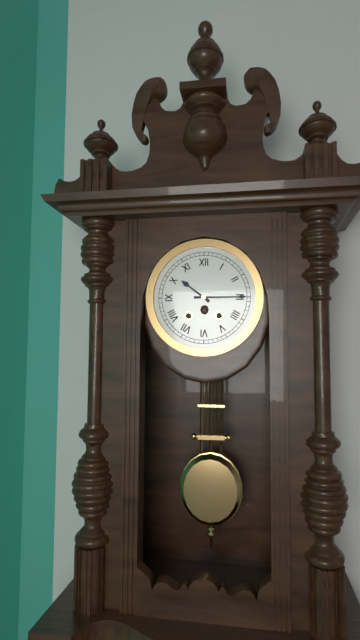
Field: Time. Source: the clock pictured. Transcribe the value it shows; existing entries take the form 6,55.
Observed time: 10,15
